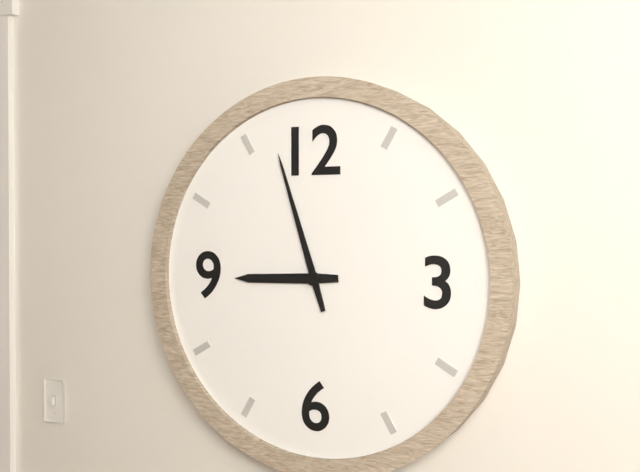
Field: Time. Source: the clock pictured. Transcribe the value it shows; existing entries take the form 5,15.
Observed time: 8,57
